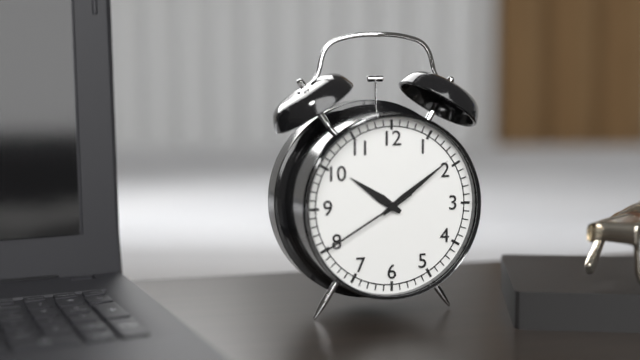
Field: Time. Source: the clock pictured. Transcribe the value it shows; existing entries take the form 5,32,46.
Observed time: 10,09,40
